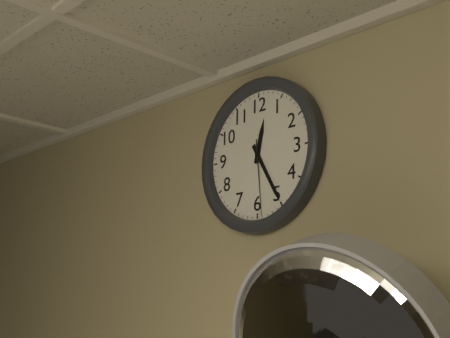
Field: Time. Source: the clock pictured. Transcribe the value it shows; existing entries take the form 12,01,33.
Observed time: 12,25,29
